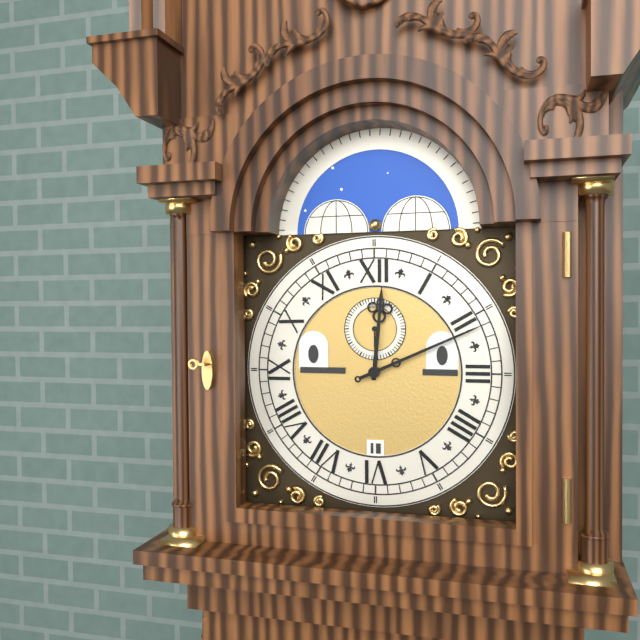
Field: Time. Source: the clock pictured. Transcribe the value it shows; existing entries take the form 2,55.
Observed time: 12,11
